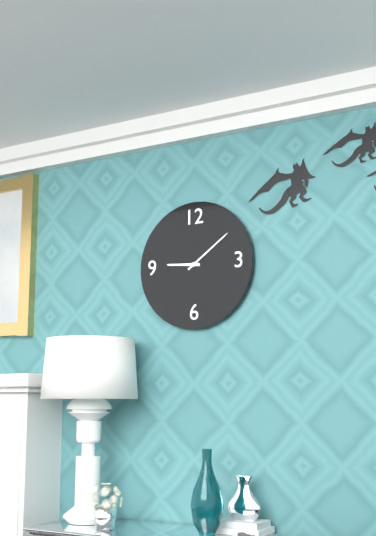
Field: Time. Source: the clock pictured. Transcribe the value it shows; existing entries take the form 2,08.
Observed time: 9,09
